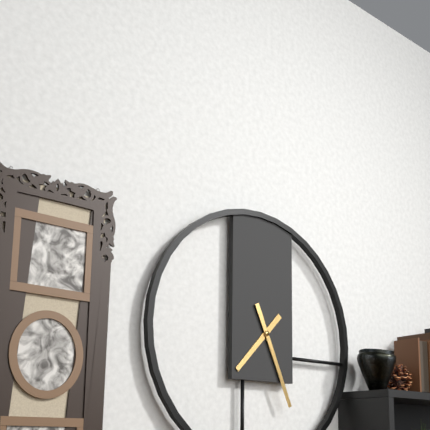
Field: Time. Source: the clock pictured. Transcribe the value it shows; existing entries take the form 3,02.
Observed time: 7,26
